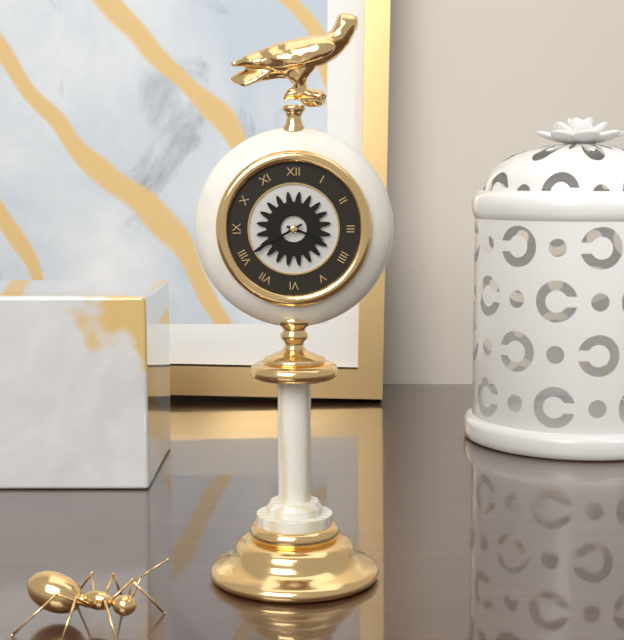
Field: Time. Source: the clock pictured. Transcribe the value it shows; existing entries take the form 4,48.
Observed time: 3,40
